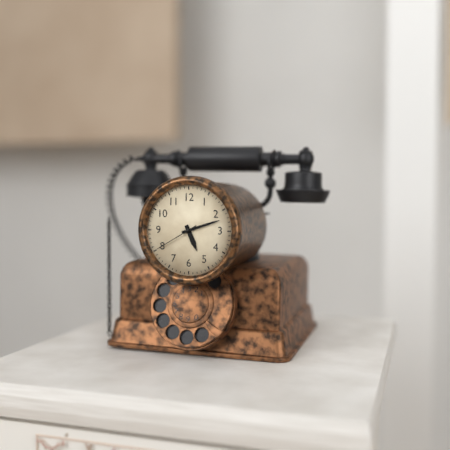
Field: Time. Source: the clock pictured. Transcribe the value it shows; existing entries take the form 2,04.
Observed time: 5,12
